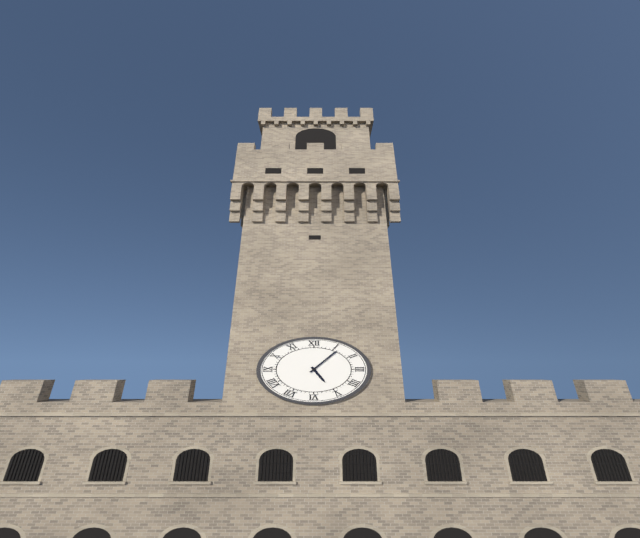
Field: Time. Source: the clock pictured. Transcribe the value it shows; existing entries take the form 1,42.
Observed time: 5,06
